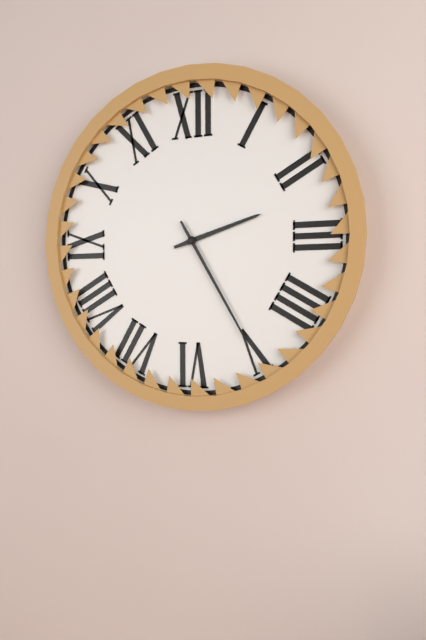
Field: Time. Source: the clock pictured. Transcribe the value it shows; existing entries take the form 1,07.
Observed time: 2,25
